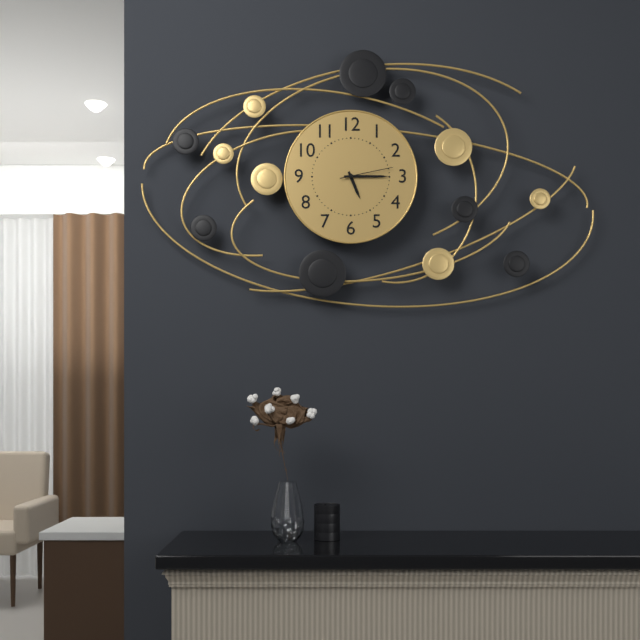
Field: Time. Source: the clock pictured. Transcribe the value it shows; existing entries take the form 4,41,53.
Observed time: 5,15,13
